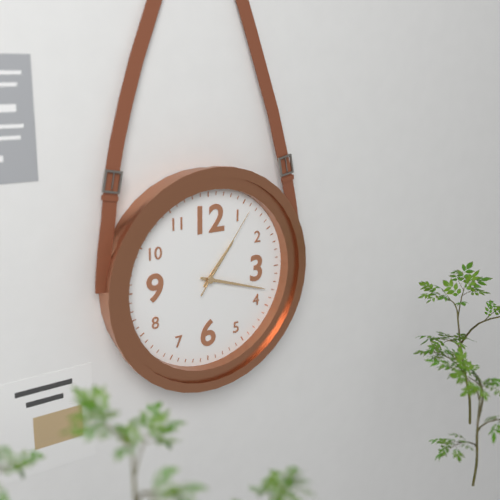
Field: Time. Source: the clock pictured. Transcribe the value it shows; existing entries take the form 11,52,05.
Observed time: 1,18,06
